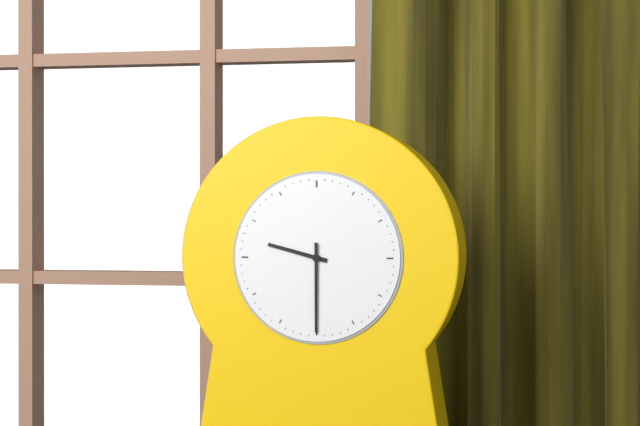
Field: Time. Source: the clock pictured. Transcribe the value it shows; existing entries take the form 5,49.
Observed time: 9,30
